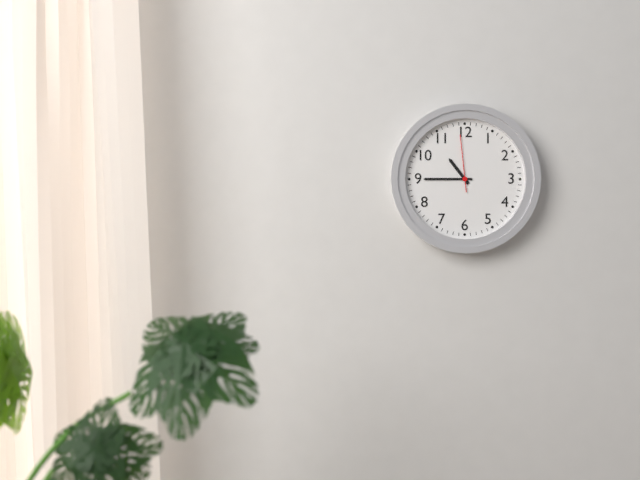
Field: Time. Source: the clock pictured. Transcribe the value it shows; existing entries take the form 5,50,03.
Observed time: 10,45,59
